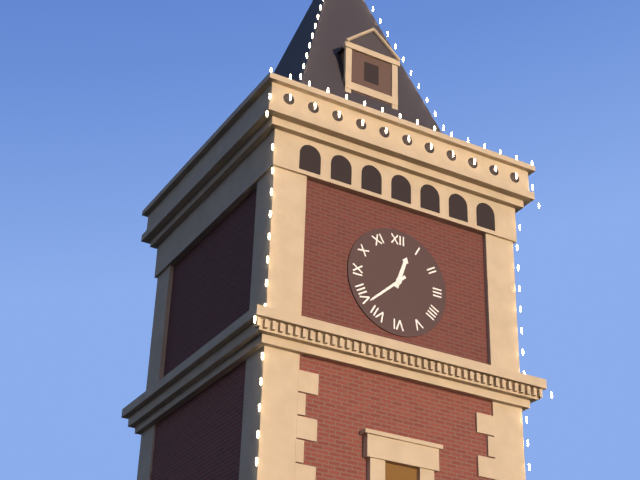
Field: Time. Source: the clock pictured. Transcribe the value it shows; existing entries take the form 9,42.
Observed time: 12,38
